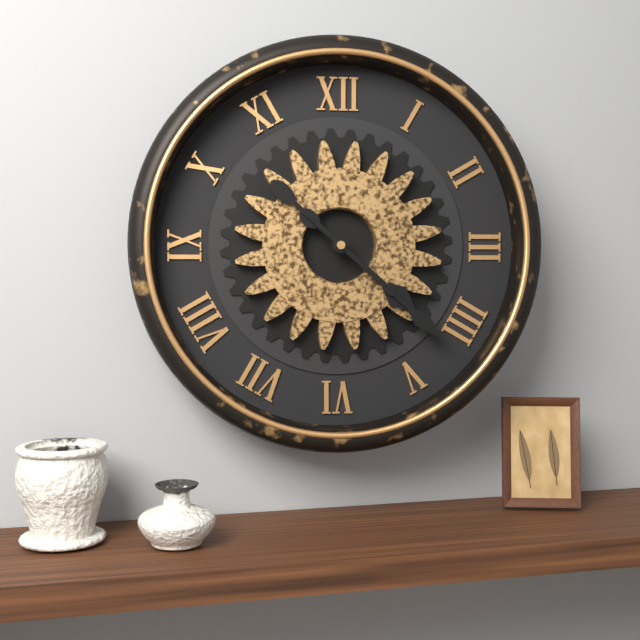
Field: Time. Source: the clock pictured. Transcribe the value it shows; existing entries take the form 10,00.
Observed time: 4,22
